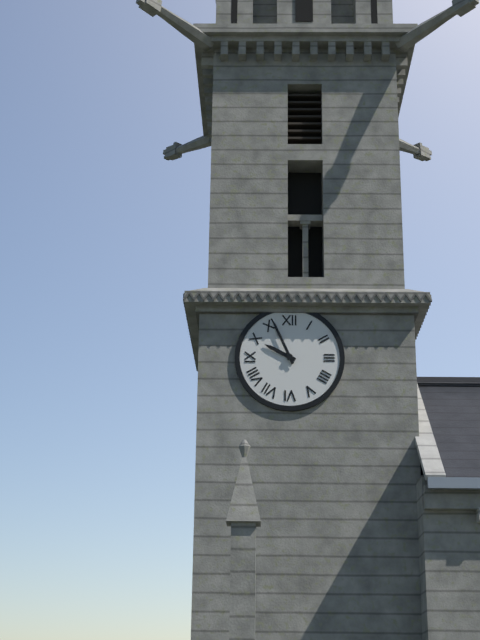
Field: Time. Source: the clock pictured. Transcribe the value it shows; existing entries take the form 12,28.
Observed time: 9,56
